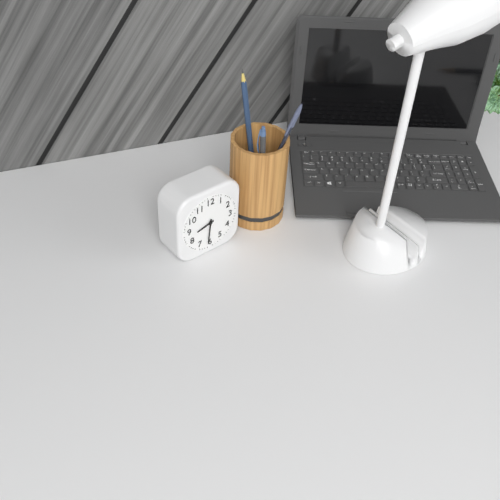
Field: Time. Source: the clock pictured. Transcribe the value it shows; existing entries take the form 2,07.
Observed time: 8,31
